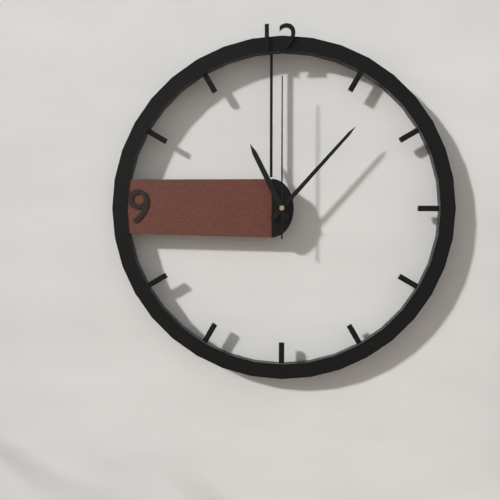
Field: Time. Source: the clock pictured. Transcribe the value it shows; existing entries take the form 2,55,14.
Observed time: 11,07,00
